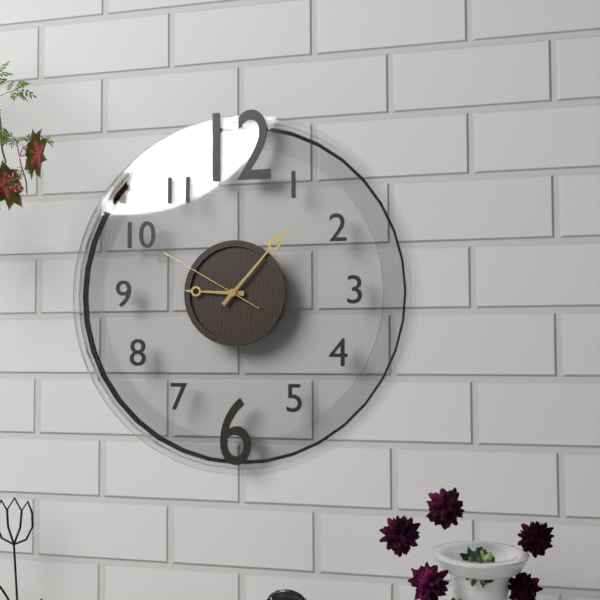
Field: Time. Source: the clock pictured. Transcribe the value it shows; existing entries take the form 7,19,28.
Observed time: 9,07,50
